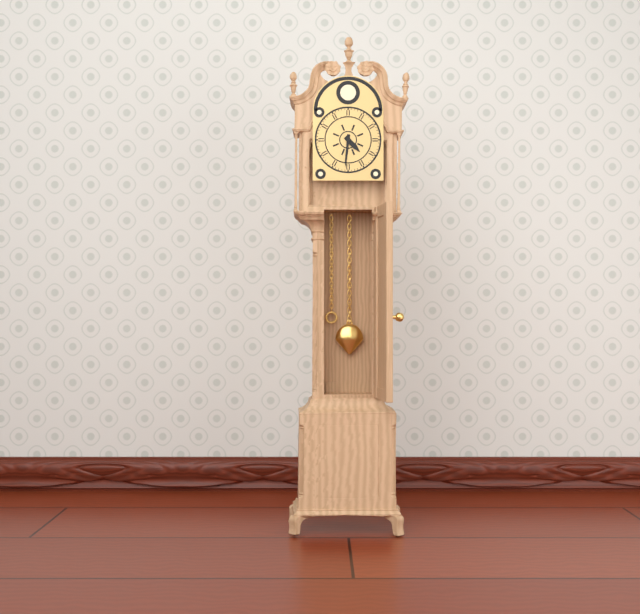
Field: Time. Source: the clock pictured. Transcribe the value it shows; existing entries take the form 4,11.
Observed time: 4,31
